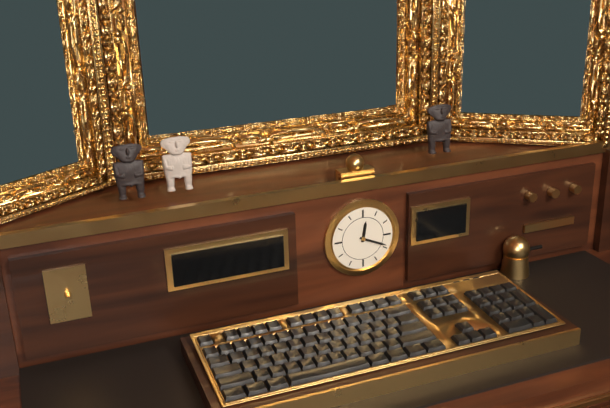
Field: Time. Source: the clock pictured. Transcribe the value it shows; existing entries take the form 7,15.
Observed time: 12,19
